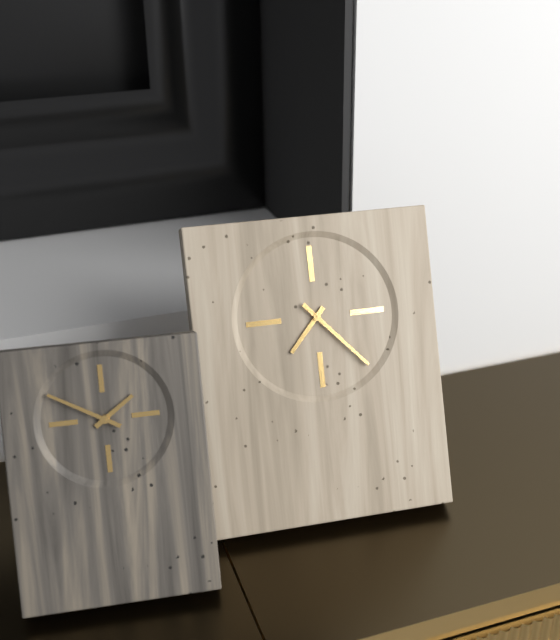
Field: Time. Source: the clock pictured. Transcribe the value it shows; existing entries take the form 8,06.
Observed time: 7,23
